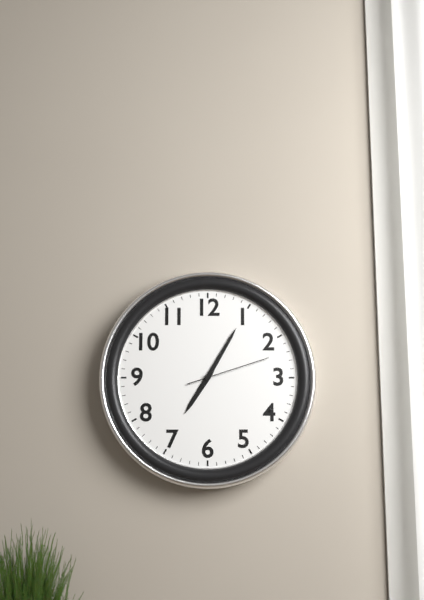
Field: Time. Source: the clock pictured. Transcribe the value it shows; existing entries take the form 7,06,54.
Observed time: 7,05,12
